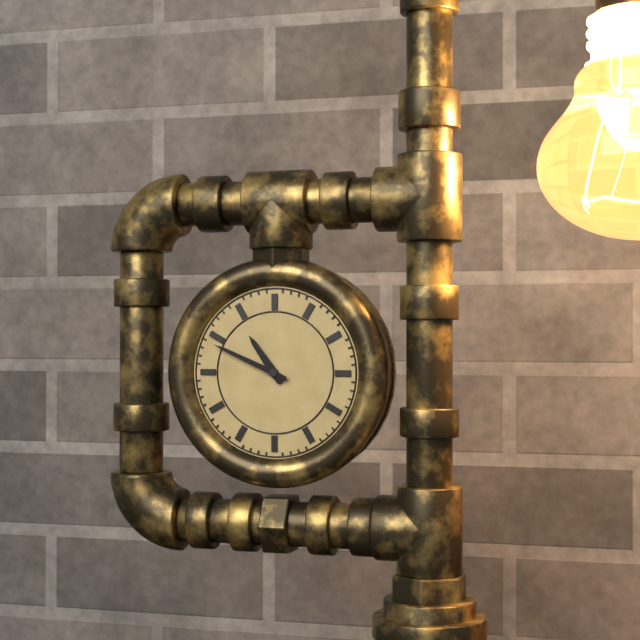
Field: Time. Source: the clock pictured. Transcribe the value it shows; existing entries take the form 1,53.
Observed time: 10,49
